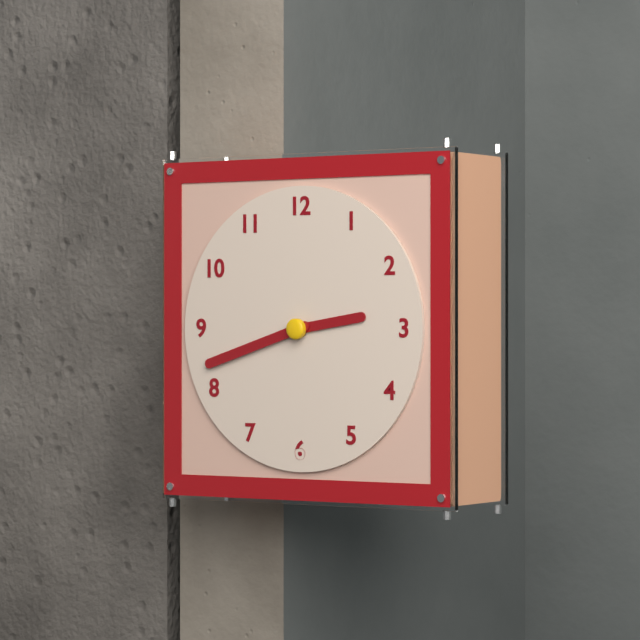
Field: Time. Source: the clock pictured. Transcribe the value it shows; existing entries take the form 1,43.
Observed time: 2,42
